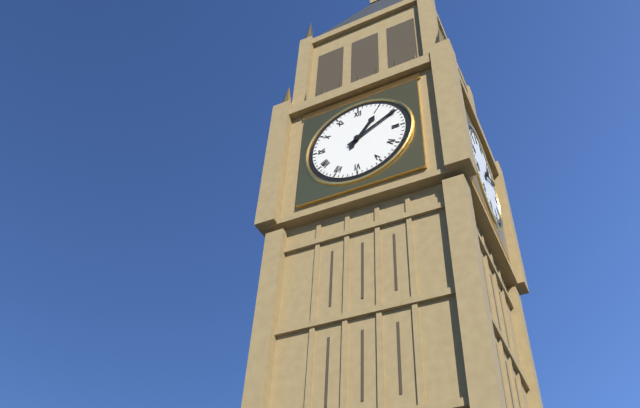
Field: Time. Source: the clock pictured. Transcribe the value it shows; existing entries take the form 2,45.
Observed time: 1,10
